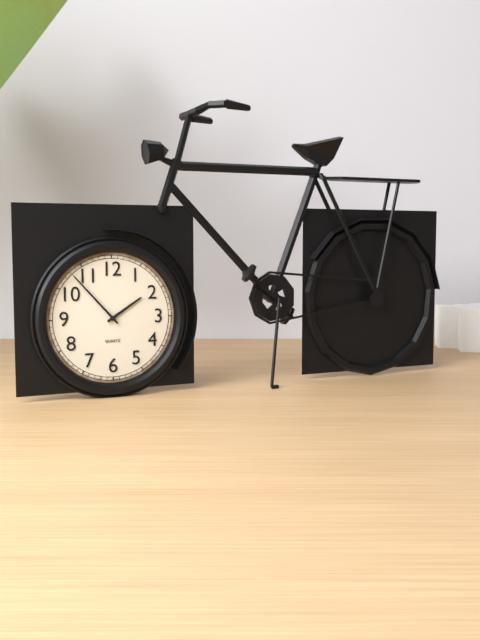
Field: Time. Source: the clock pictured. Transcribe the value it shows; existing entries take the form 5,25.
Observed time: 1,53
